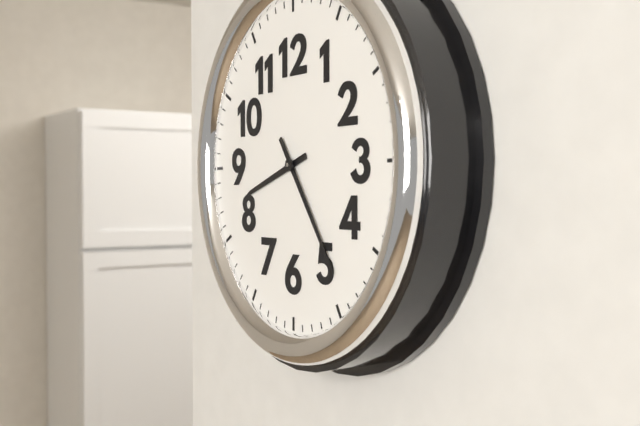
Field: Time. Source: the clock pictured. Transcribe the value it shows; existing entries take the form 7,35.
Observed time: 8,24
